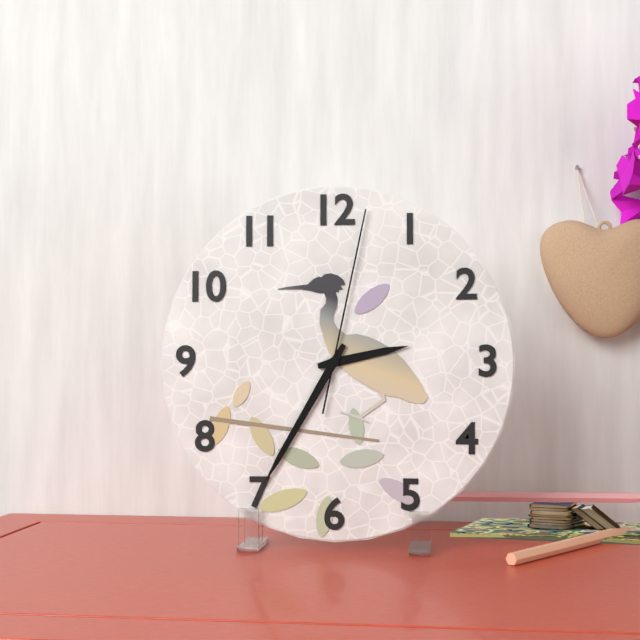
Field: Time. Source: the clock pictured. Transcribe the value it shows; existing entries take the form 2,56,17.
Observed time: 2,35,02
